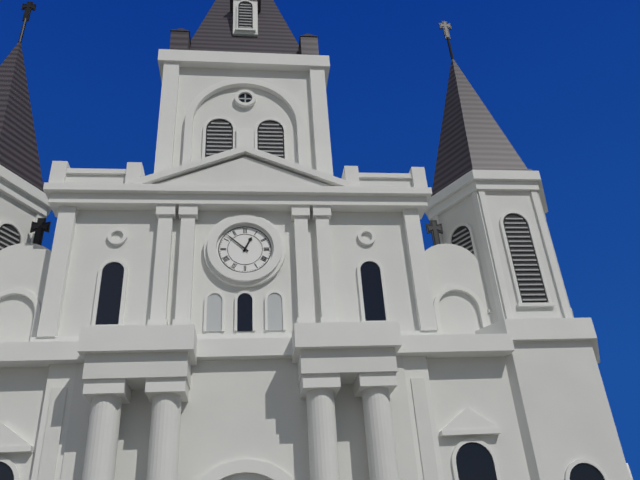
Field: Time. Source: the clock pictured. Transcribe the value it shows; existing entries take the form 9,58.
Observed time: 12,52
